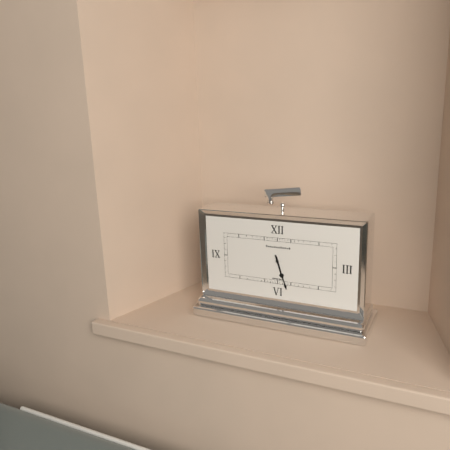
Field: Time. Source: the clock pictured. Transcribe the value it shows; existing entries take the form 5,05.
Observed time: 5,27
